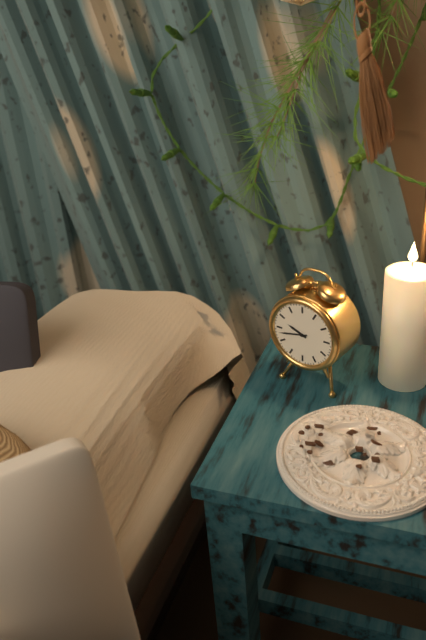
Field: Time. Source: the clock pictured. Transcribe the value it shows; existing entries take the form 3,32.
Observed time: 9,43
